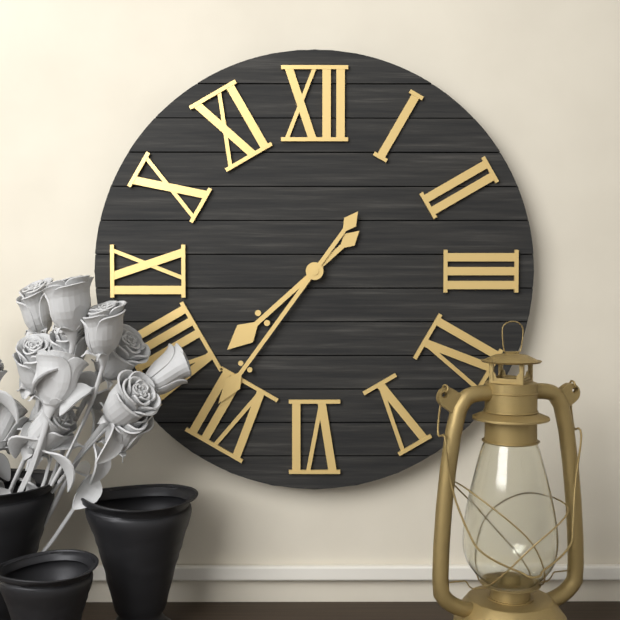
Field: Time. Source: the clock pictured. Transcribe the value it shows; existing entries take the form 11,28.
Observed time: 7,36
